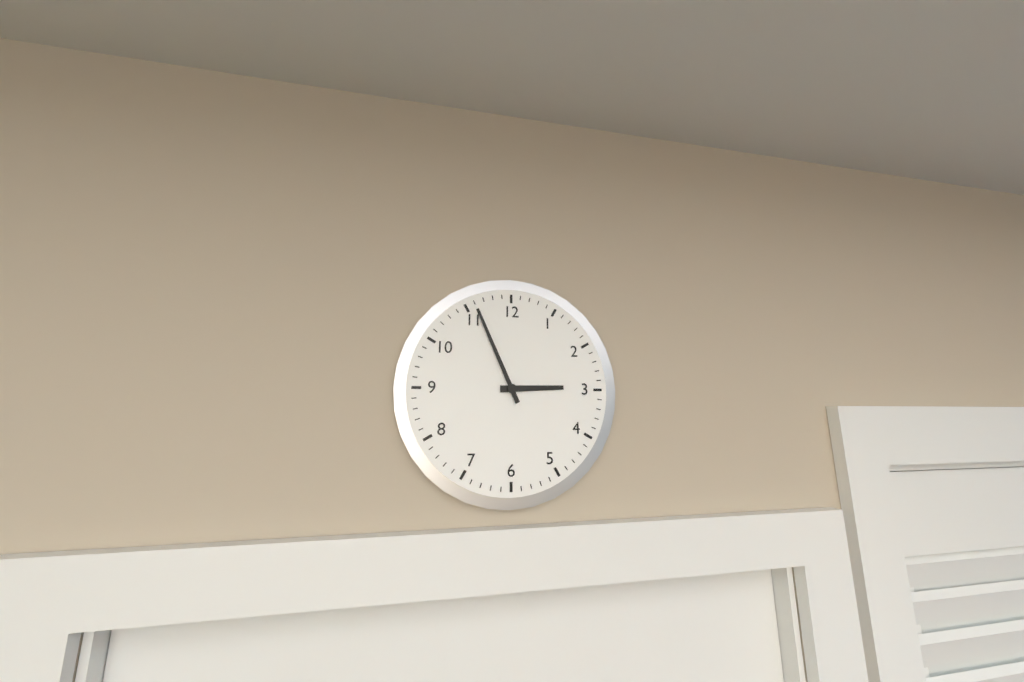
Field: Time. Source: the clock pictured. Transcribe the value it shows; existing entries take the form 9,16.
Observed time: 2,56
